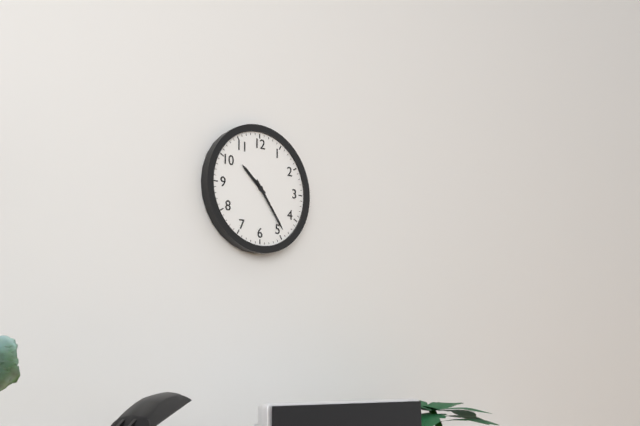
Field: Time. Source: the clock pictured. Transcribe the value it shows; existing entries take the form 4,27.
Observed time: 10,24
